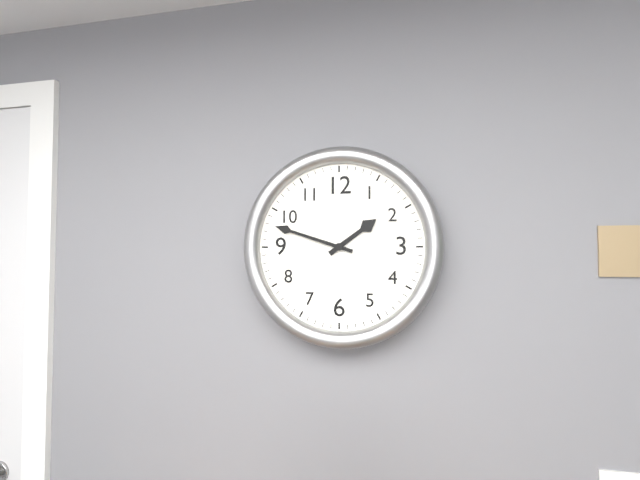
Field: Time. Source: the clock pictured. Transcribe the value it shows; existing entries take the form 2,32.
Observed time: 1,48
